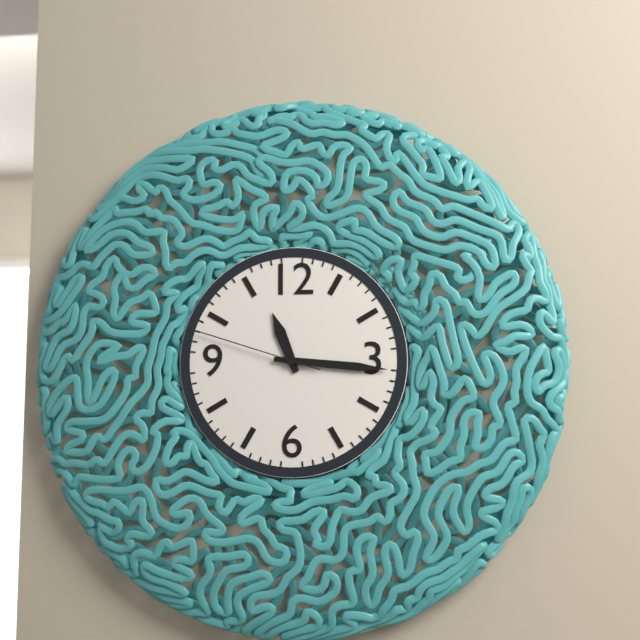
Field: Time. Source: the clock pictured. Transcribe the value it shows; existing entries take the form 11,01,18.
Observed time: 11,16,48
